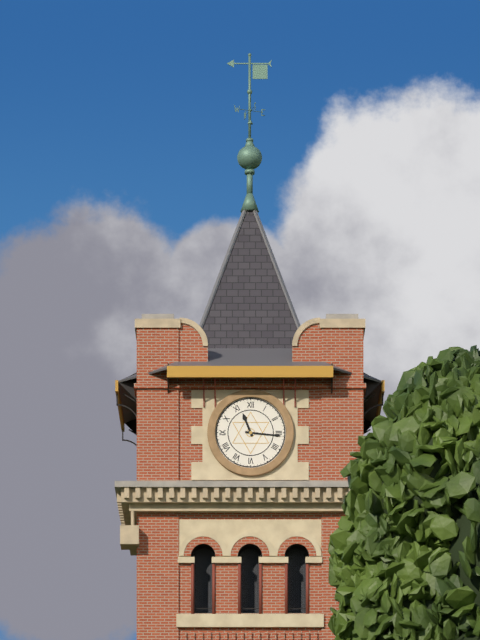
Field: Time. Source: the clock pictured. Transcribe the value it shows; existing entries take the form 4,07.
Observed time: 11,16
